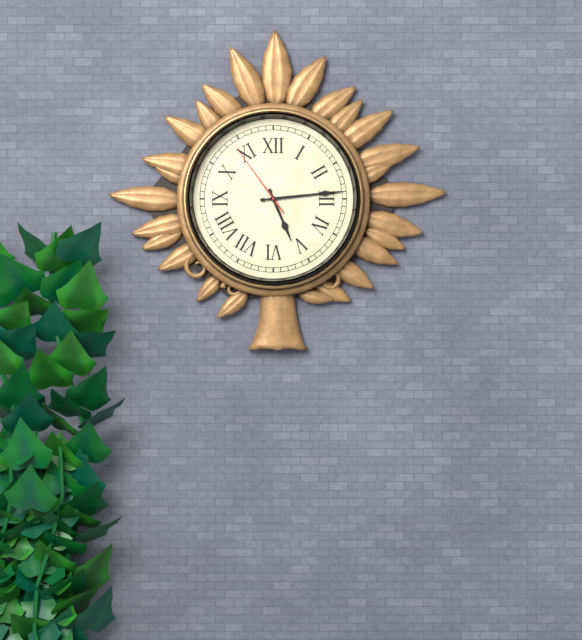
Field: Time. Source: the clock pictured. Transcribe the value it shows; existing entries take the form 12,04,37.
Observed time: 5,14,54
